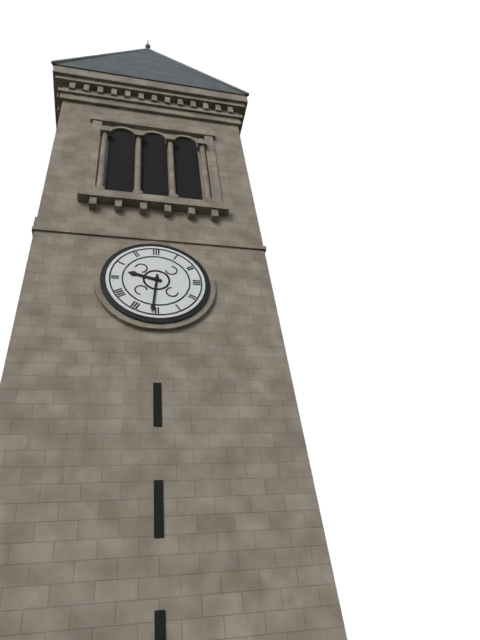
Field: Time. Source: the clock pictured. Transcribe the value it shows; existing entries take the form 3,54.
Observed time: 9,31
